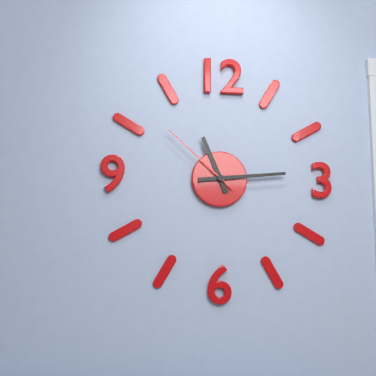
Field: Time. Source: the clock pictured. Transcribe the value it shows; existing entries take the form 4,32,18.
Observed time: 11,14,52
